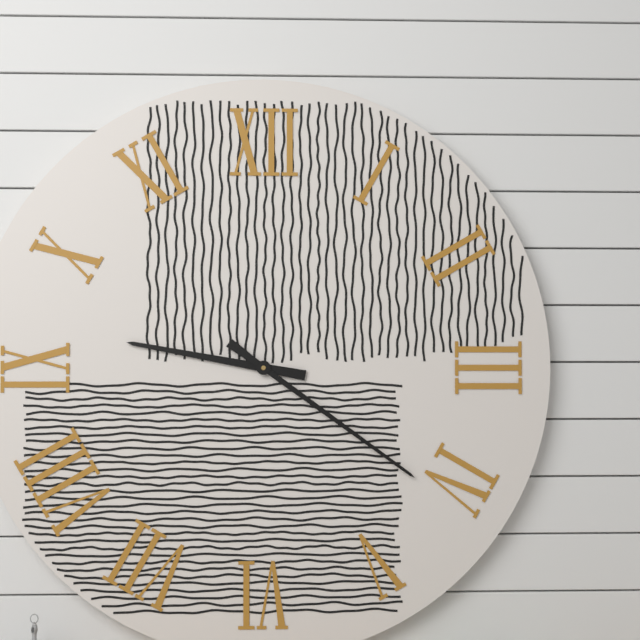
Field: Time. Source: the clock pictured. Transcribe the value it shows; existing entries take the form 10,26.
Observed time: 9,21
